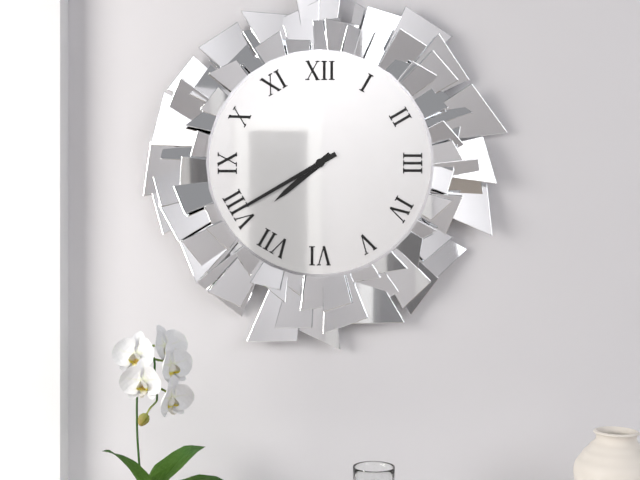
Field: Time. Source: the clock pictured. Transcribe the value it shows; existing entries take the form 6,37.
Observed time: 7,40
